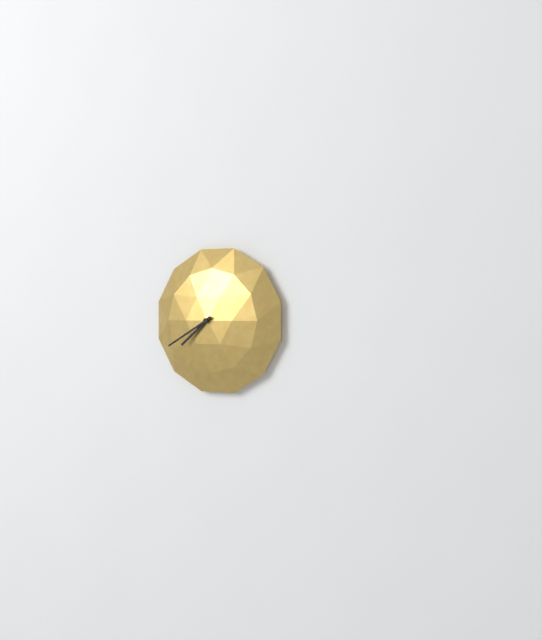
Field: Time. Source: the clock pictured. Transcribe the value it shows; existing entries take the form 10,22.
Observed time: 7,40
